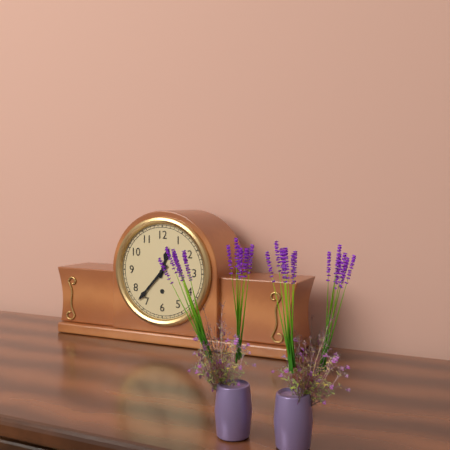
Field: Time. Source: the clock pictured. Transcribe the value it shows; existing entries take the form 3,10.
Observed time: 12,37
